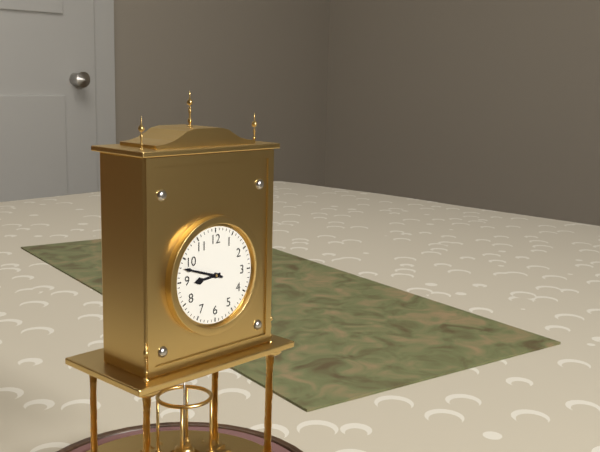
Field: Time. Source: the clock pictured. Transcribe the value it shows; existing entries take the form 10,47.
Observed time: 8,48
